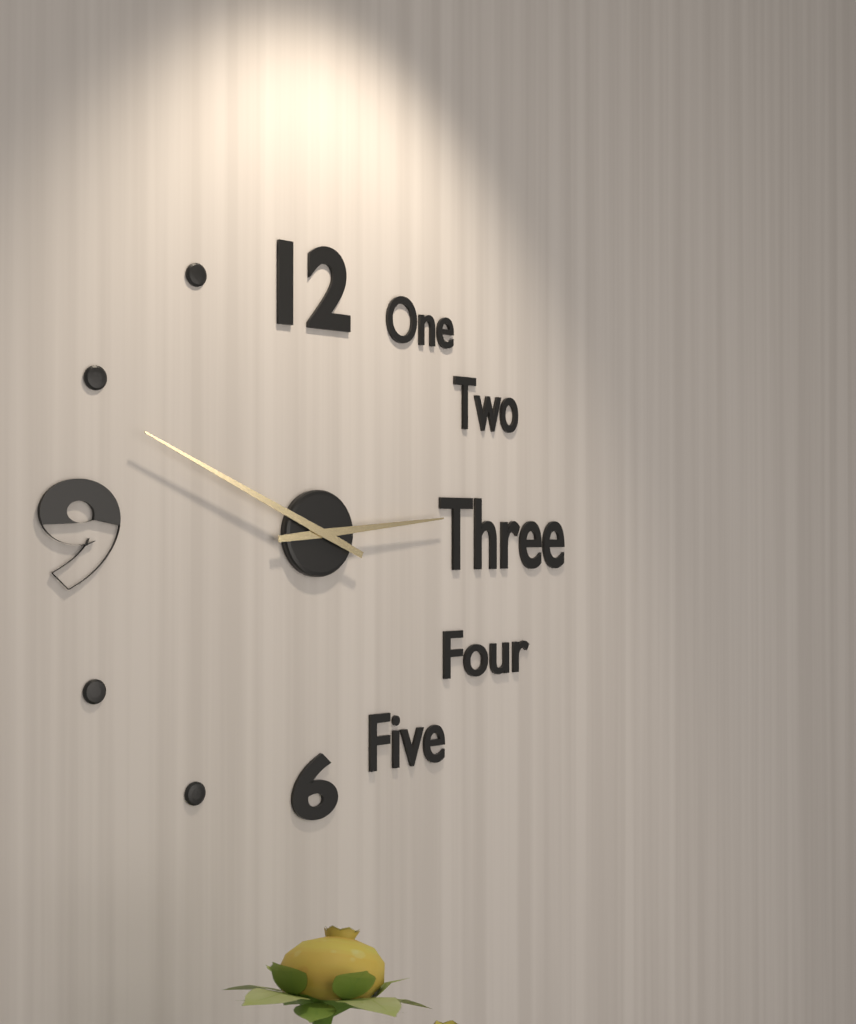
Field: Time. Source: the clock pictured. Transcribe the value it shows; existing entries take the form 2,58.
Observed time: 2,49
